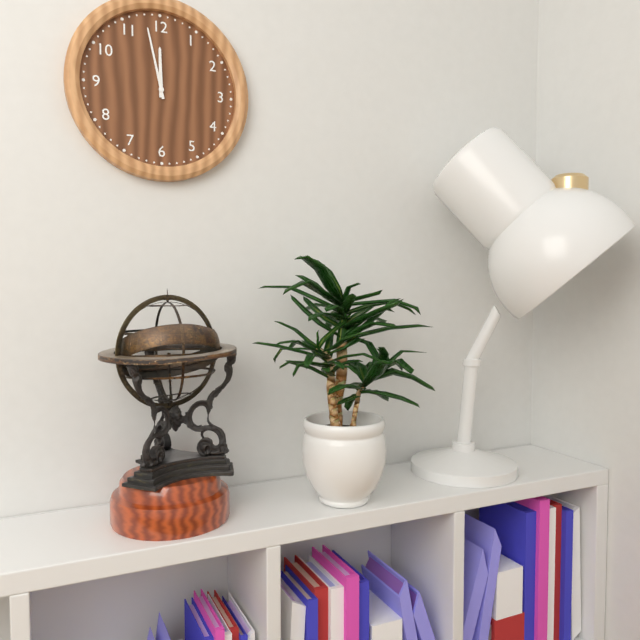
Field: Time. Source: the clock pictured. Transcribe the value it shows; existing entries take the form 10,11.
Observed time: 11,58
